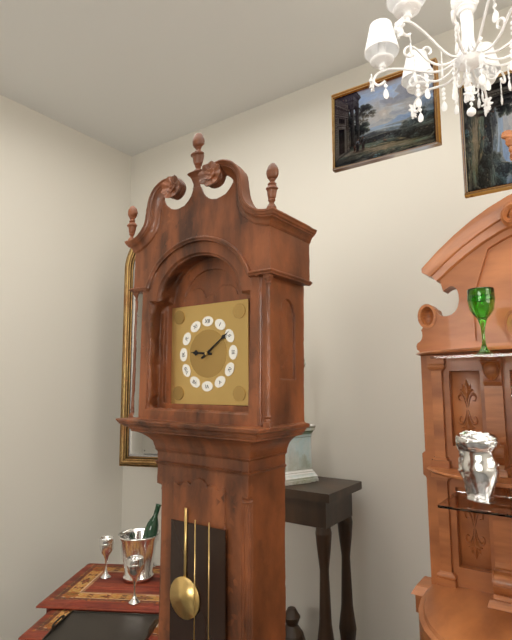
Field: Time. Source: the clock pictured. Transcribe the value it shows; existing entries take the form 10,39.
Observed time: 9,09
